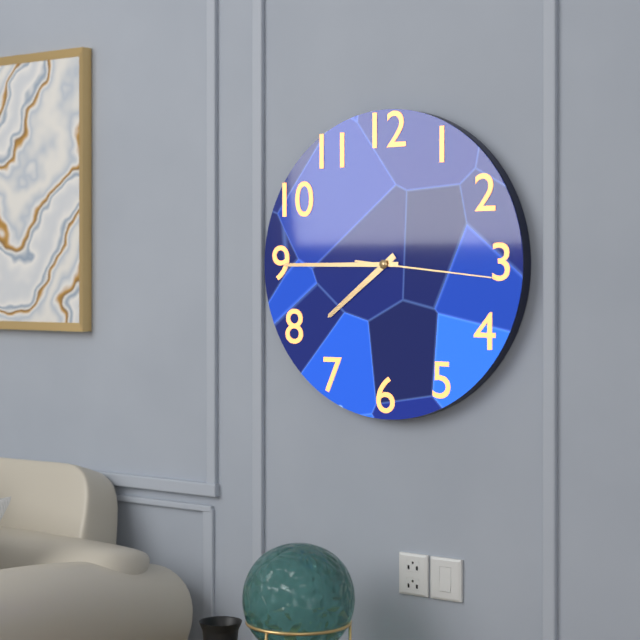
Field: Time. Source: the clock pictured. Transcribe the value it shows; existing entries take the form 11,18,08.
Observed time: 7,45,16
